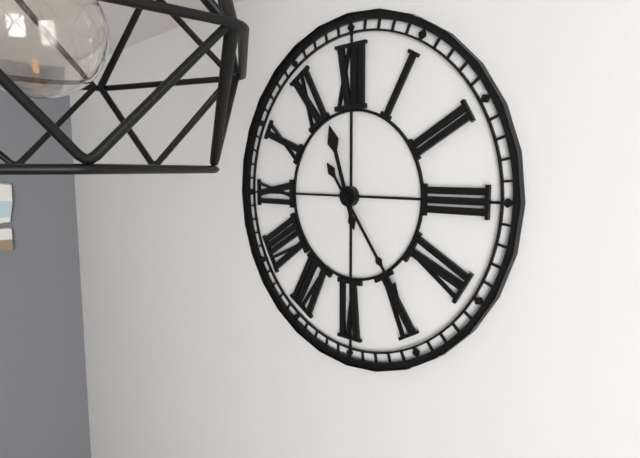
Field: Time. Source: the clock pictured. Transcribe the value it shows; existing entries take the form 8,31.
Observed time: 11,24
